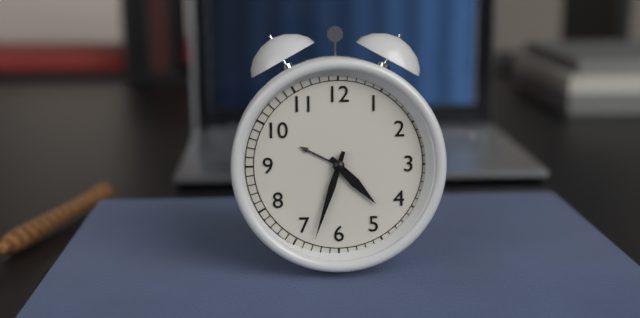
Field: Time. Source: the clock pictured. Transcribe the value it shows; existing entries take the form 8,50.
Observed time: 4,33
